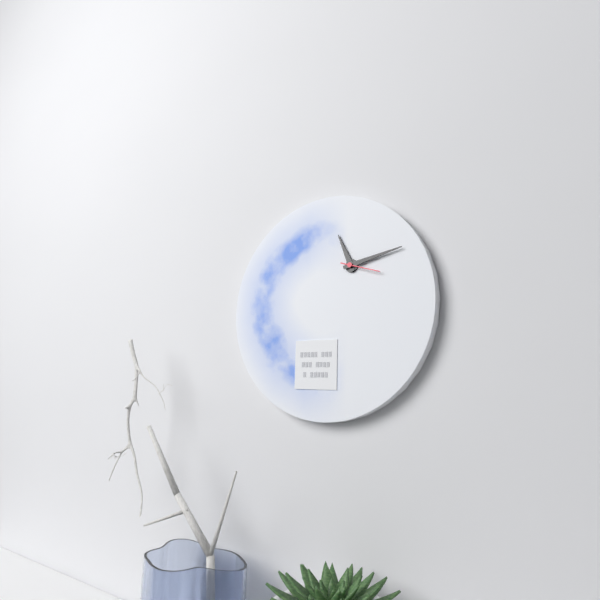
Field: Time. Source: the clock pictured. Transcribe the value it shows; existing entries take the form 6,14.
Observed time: 11,13
